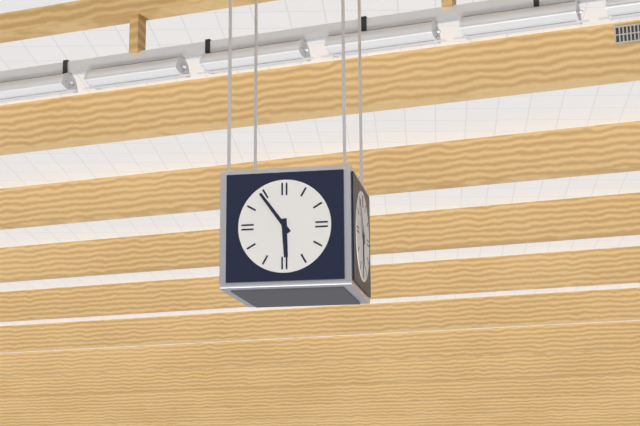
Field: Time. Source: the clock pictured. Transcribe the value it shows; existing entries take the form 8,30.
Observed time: 5,54
